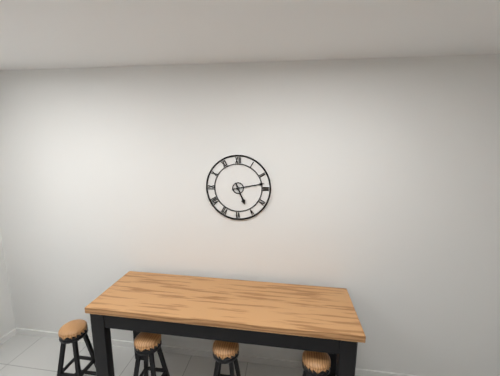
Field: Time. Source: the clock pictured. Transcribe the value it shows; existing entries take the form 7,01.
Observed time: 5,13
